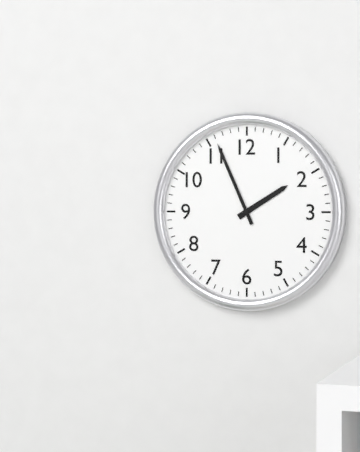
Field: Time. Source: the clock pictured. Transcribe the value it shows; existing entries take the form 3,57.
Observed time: 1,56
